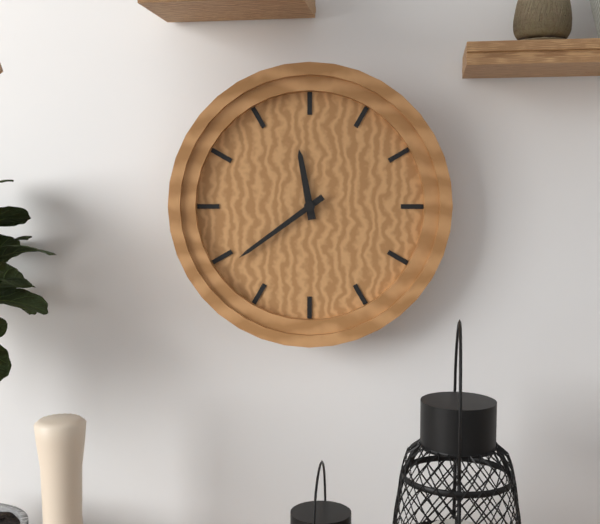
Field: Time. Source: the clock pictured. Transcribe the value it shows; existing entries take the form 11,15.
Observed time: 11,39
